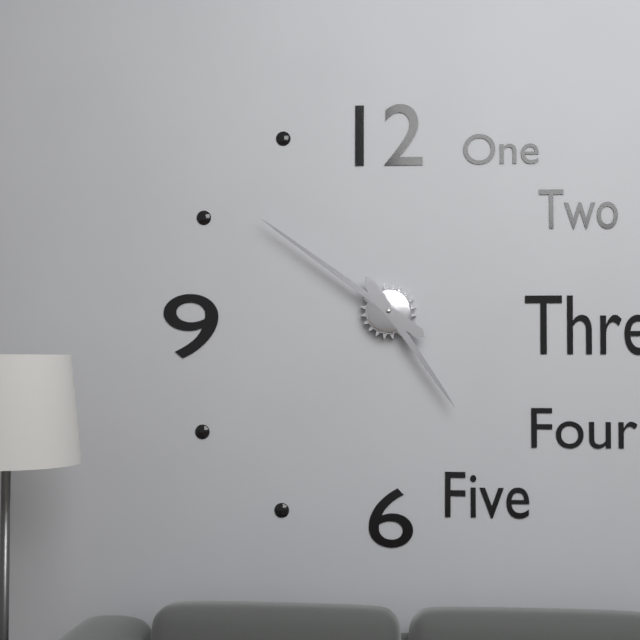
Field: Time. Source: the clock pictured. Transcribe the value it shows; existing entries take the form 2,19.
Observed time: 4,51
